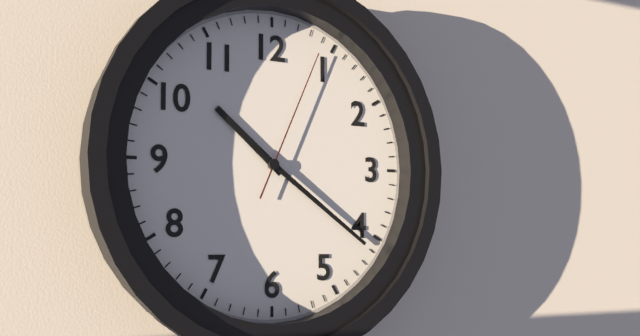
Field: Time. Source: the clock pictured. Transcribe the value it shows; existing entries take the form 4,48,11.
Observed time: 10,21,04
